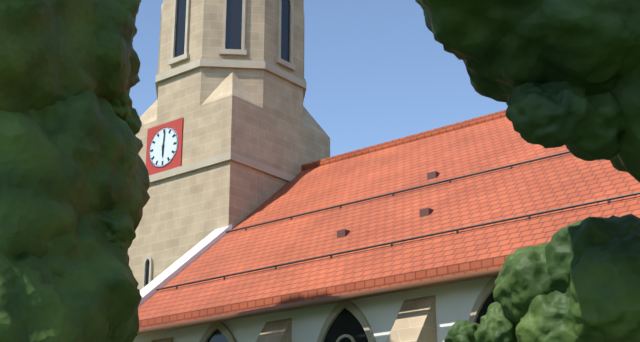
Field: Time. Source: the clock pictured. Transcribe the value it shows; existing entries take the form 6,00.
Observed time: 6,01
